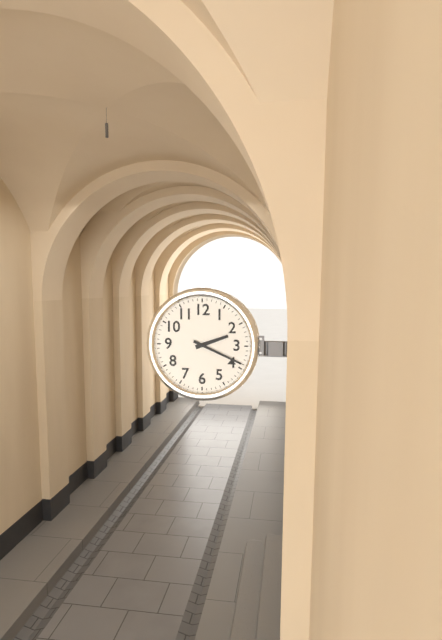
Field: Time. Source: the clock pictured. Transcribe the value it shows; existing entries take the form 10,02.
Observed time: 2,19
